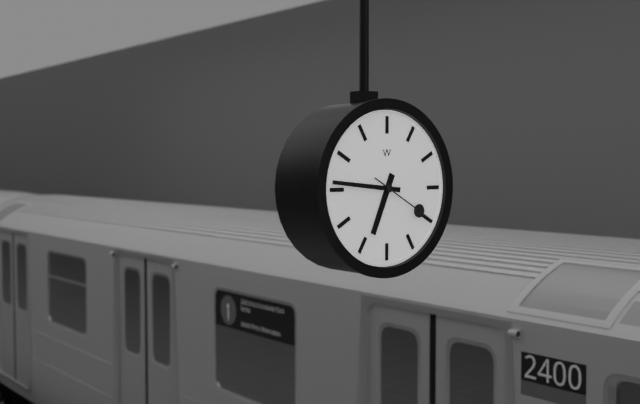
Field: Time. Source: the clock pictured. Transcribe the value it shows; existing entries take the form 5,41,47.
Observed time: 6,46,20
